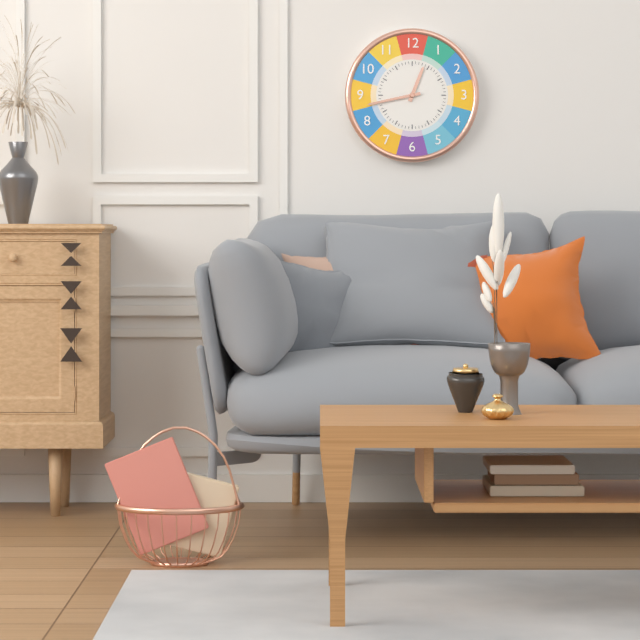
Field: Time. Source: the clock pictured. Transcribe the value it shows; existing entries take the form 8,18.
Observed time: 12,43
